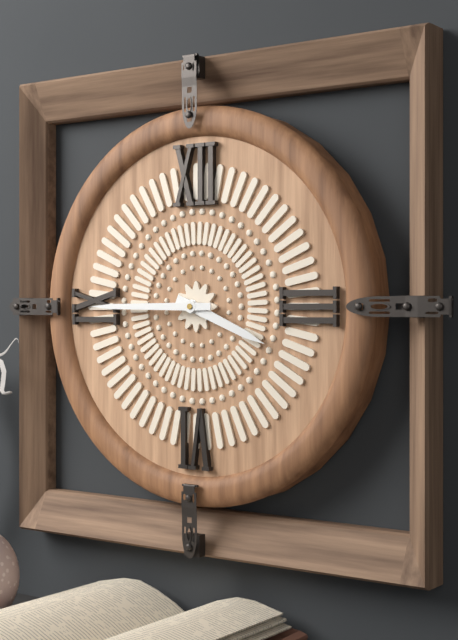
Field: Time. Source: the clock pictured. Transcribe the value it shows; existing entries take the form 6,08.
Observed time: 3,45
